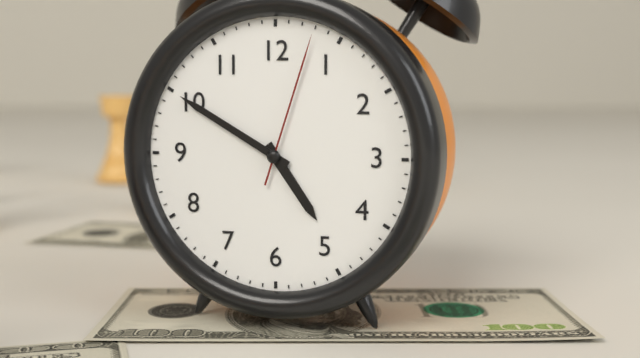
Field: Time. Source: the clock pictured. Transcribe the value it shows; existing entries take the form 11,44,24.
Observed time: 4,50,03
